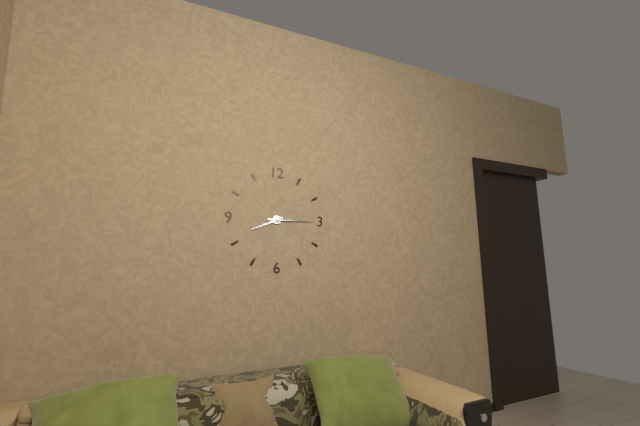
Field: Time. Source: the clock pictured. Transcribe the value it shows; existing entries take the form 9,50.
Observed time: 8,15
